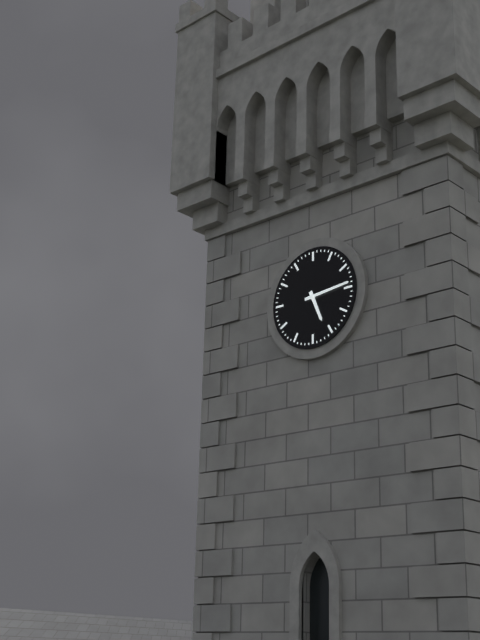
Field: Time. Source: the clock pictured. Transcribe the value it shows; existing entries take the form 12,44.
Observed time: 5,14
